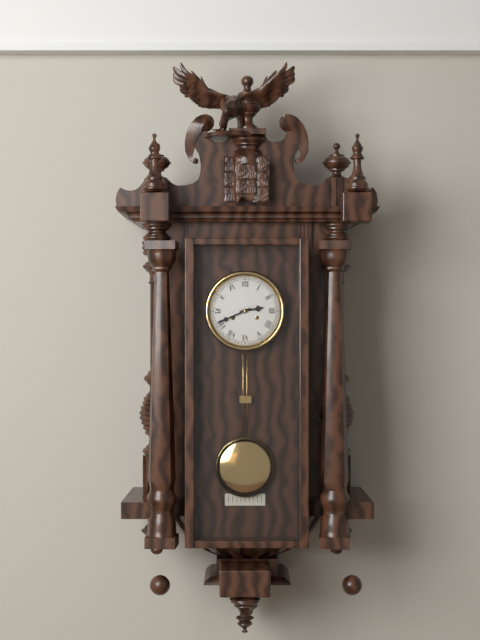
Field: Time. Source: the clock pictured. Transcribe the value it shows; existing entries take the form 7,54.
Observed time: 2,41
